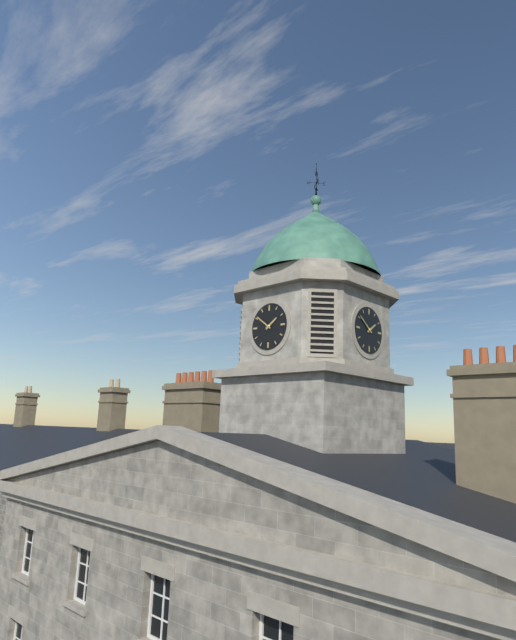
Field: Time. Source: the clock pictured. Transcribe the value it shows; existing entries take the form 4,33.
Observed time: 1,51
